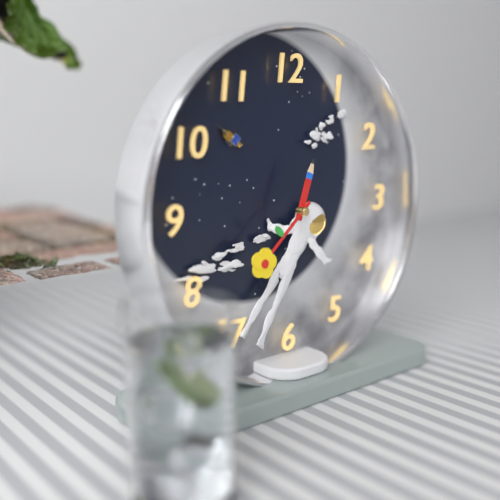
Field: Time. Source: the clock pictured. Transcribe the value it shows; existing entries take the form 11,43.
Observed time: 12,38
